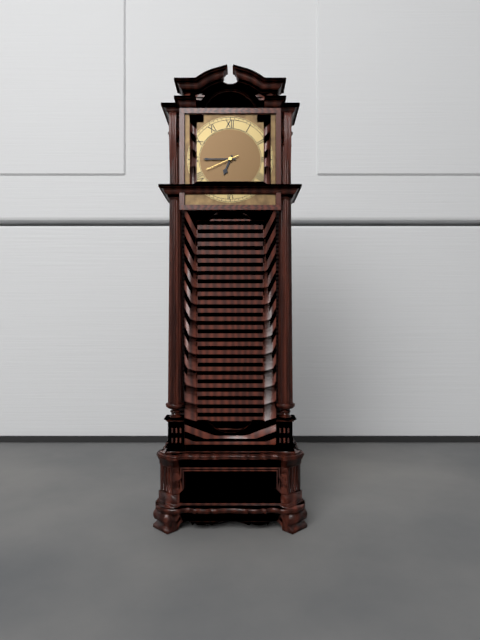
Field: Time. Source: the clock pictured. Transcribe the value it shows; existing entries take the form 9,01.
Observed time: 6,45
